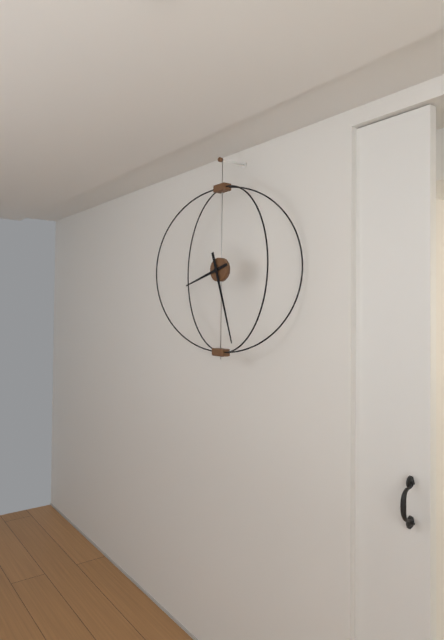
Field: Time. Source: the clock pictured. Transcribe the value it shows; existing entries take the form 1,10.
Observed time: 8,27
